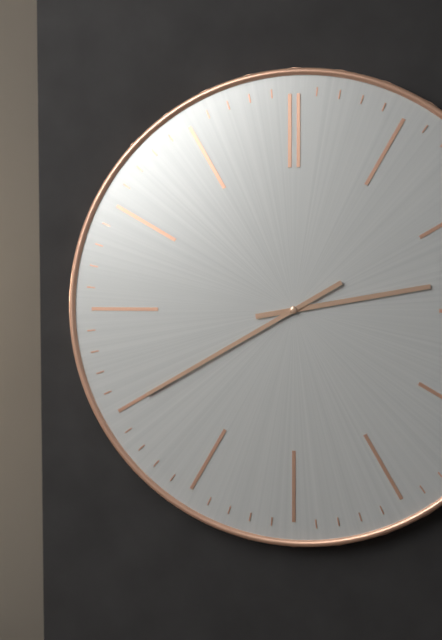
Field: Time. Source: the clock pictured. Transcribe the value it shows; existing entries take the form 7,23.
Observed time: 2,40
